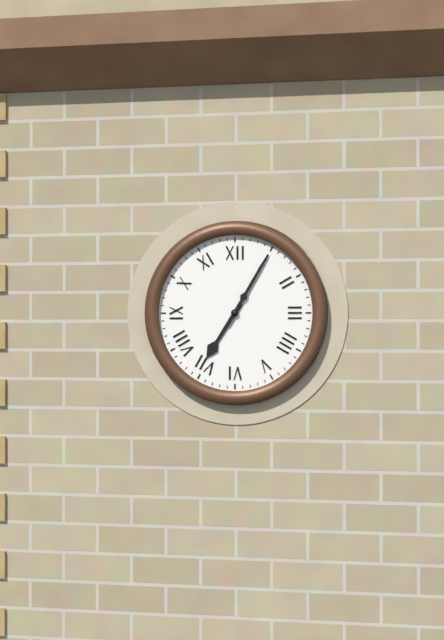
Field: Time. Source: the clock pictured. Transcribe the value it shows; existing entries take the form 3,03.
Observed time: 7,05
